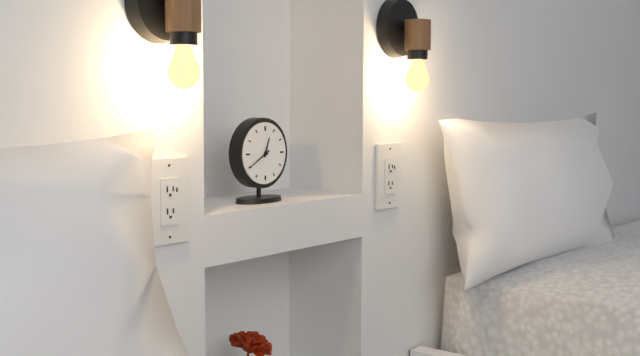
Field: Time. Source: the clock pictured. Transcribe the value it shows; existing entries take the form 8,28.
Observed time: 12,40
